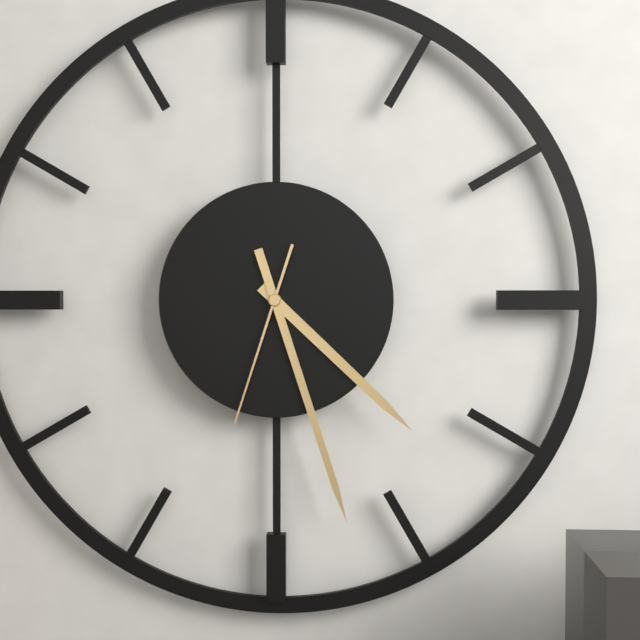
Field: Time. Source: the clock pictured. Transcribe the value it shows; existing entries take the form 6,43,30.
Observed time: 4,27,33
